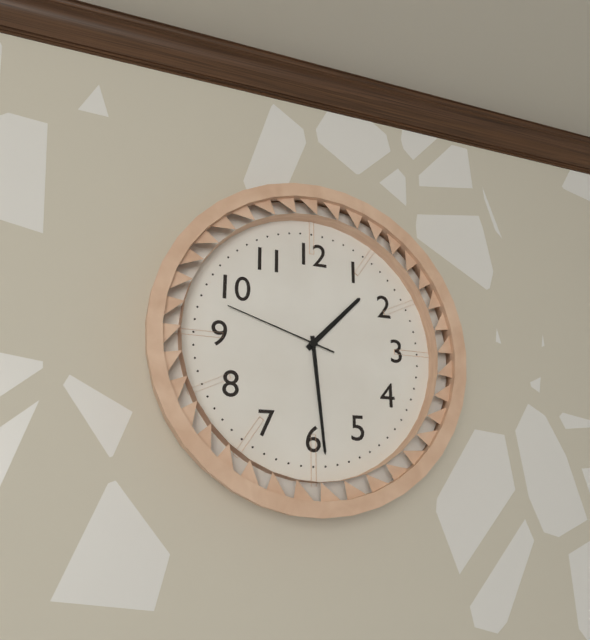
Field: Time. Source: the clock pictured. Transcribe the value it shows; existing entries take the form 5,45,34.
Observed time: 1,29,48
